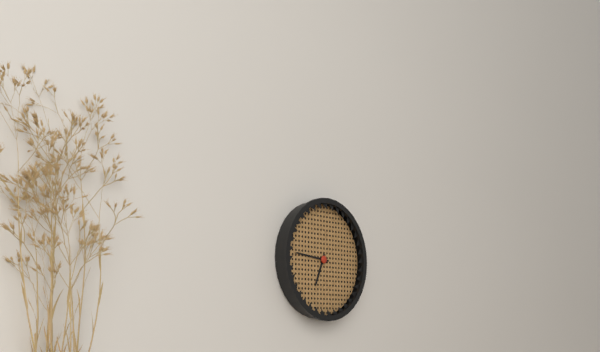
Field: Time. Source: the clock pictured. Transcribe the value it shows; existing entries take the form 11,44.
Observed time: 6,46
